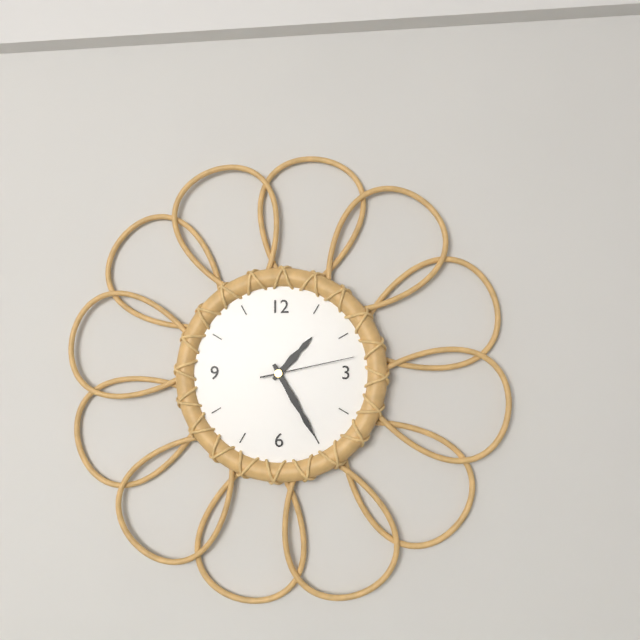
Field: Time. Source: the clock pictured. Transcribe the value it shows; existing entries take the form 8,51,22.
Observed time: 1,25,13
